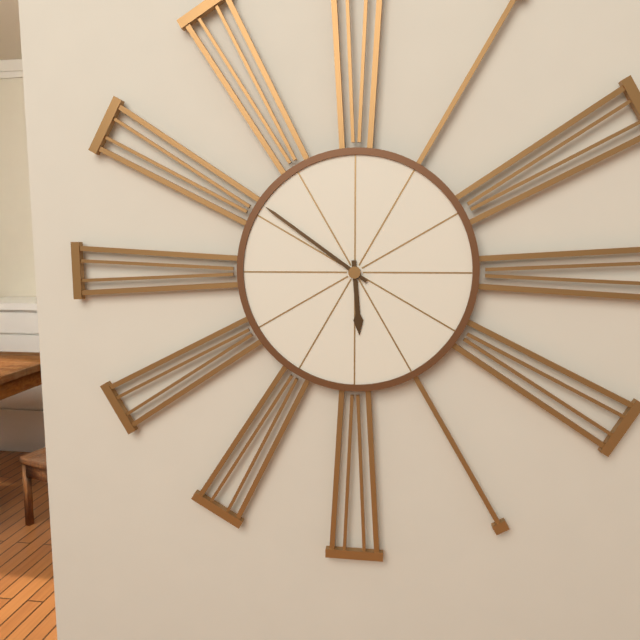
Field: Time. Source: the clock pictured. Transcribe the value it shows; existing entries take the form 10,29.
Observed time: 5,51
